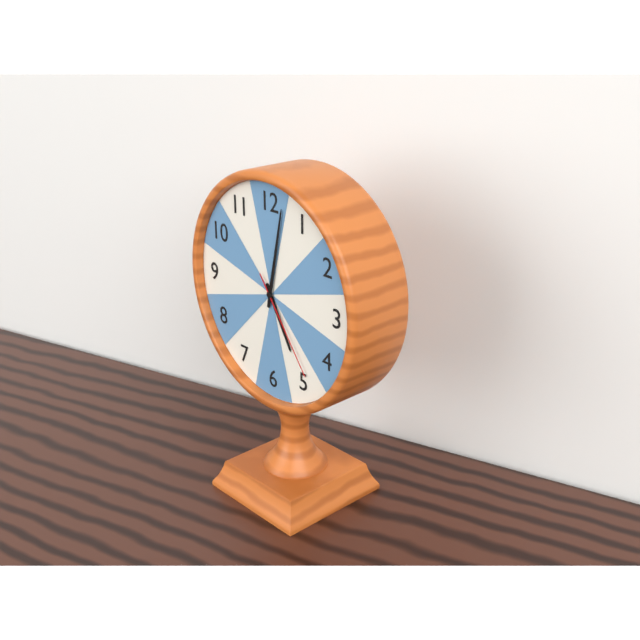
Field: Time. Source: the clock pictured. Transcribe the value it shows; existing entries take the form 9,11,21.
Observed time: 5,02,24
